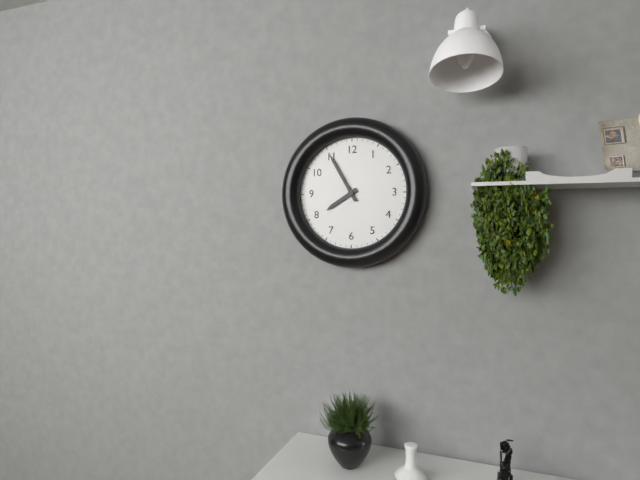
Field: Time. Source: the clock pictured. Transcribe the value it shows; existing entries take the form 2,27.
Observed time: 7,55
